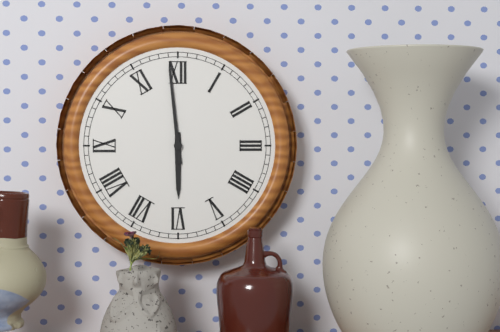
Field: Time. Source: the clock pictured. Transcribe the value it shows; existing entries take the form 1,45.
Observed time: 5,59
